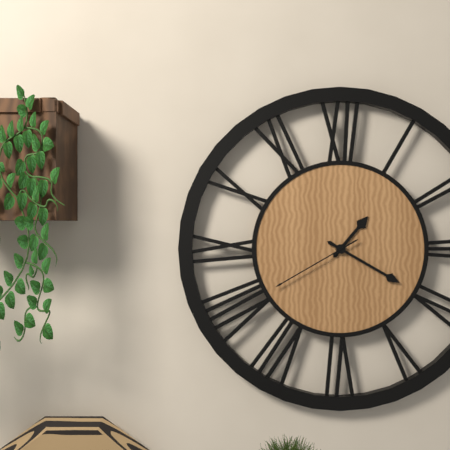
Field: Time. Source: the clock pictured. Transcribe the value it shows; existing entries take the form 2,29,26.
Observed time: 1,20,40
